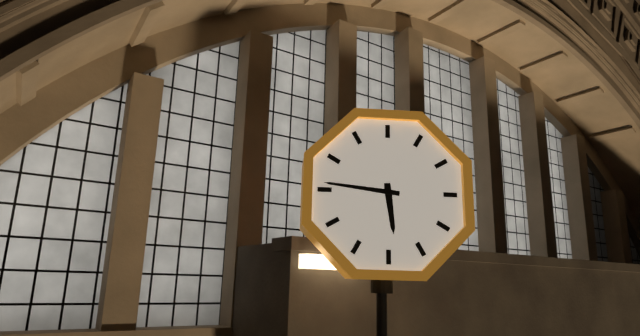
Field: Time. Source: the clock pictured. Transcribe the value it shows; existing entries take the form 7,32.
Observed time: 5,46
